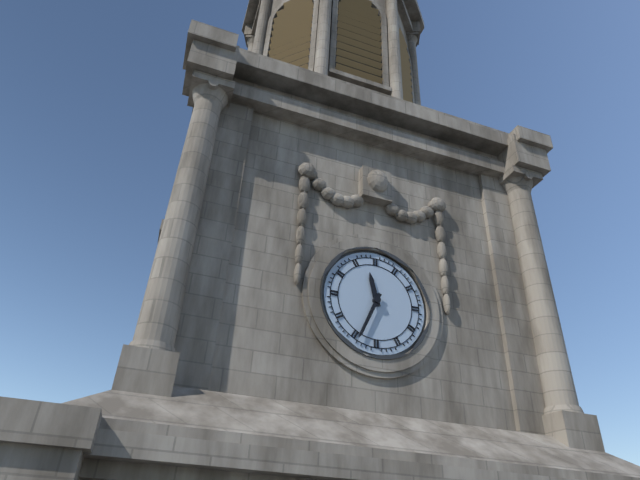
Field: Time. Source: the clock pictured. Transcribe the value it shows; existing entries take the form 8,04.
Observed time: 11,34
